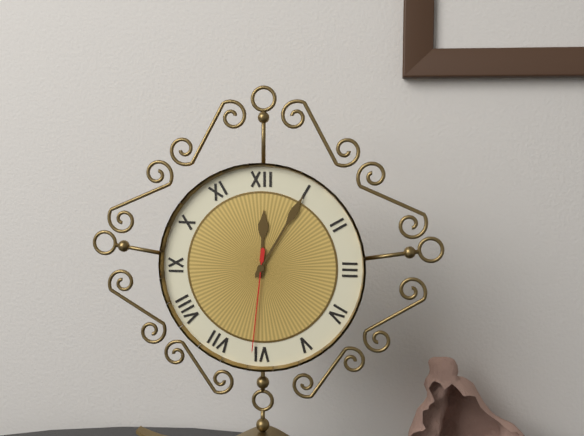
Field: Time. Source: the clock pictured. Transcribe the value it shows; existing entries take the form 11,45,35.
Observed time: 12,05,31
